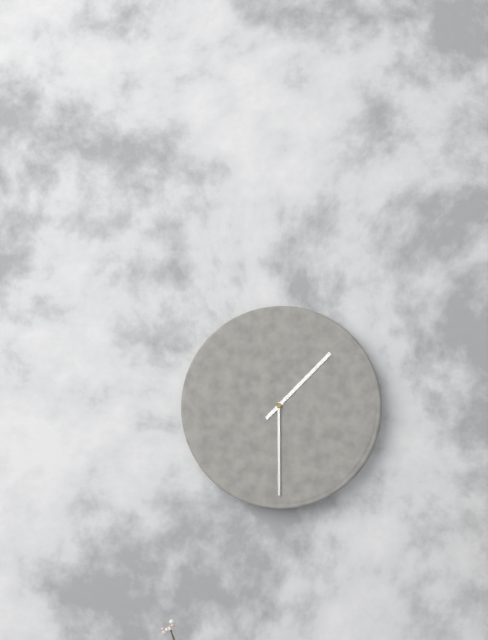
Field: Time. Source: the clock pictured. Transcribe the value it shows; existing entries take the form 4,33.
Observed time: 1,30
